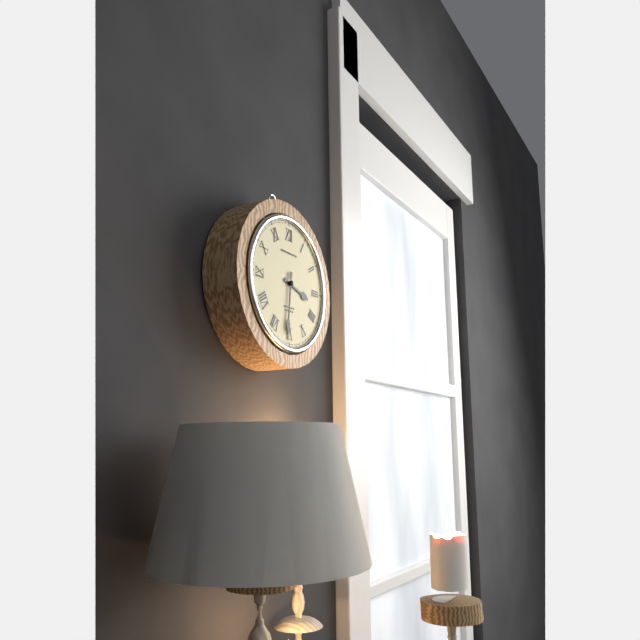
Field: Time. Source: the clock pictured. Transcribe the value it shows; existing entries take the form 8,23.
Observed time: 3,31
